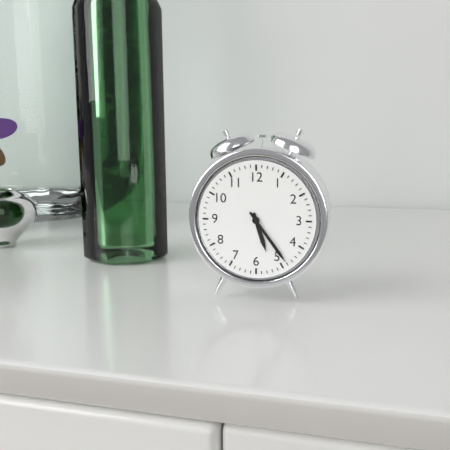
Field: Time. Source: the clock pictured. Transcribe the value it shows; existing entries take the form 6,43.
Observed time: 5,24
